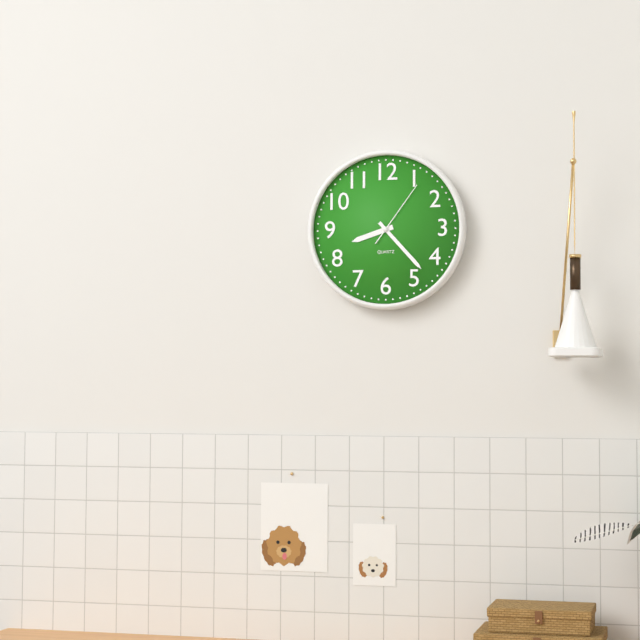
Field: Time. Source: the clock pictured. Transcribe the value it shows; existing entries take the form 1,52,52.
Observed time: 8,23,06
